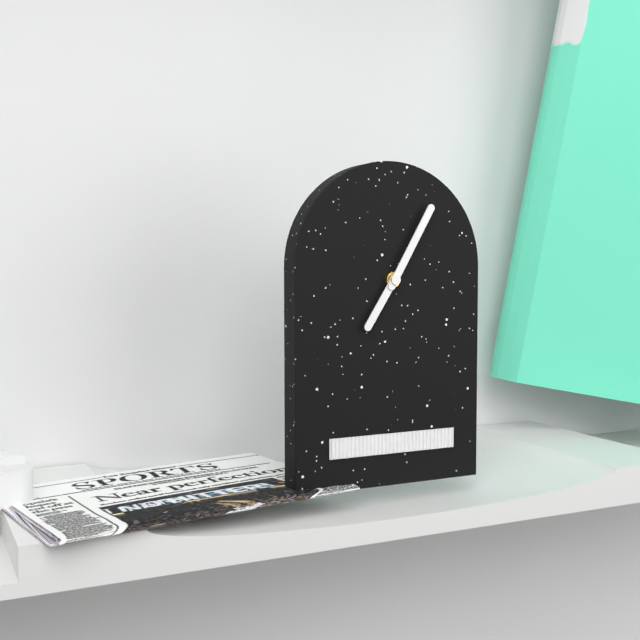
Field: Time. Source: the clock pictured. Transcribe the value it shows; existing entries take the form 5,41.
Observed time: 7,05
